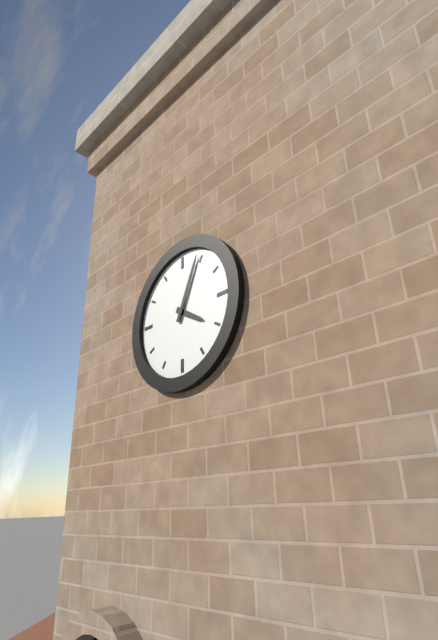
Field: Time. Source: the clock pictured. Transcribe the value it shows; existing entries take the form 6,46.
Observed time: 4,04
